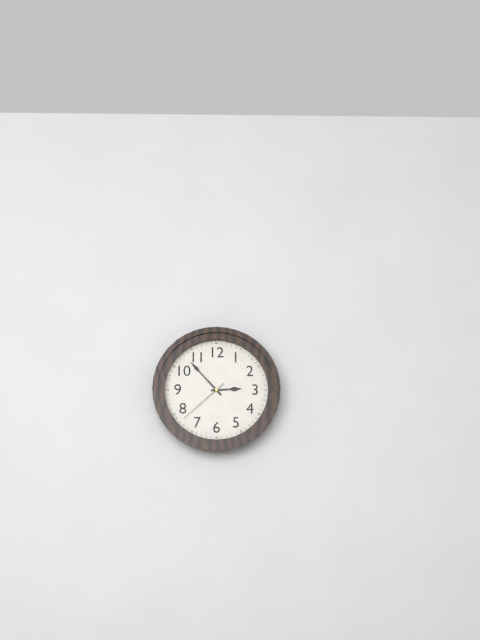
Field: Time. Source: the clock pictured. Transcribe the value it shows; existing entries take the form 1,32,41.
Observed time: 2,53,38
